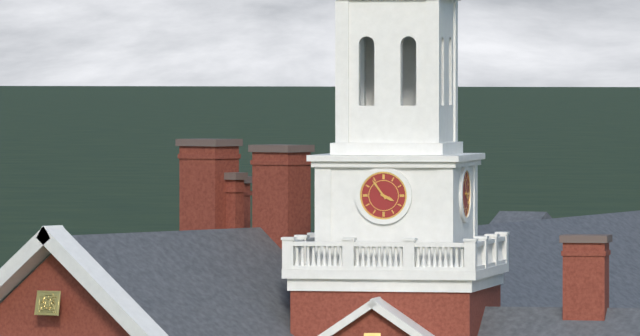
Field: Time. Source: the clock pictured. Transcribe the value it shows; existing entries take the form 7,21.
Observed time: 3,54
